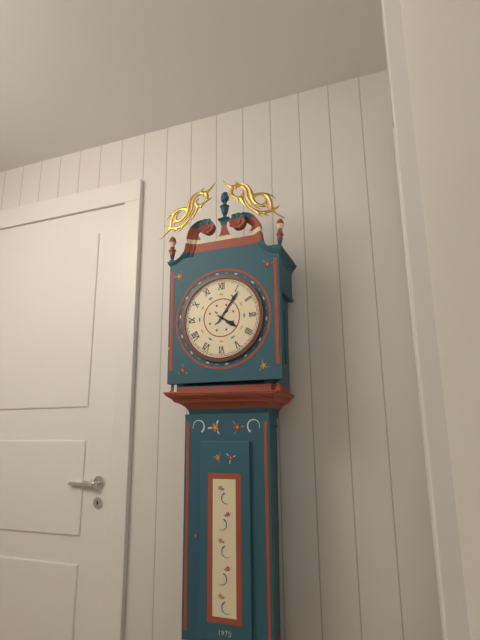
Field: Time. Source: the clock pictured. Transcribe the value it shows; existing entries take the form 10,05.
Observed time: 4,06
